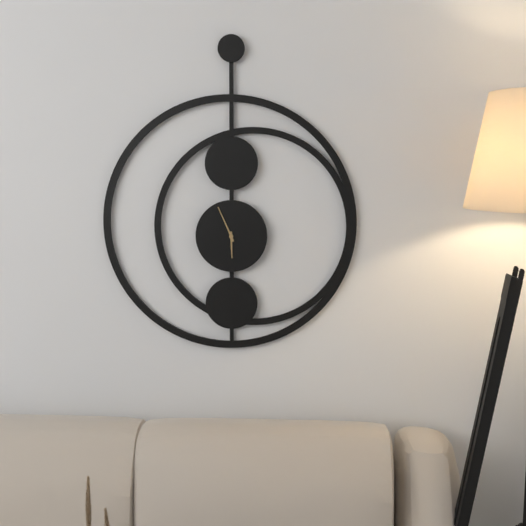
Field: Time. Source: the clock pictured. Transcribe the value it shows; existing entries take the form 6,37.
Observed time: 5,56
